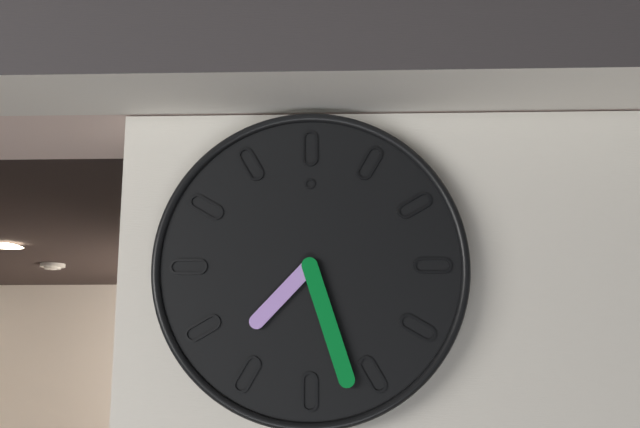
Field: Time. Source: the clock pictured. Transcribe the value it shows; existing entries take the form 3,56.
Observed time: 7,27
